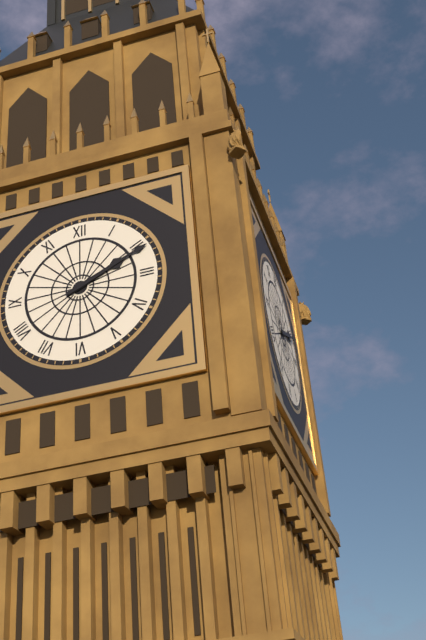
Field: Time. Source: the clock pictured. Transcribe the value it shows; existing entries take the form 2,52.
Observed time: 2,11
